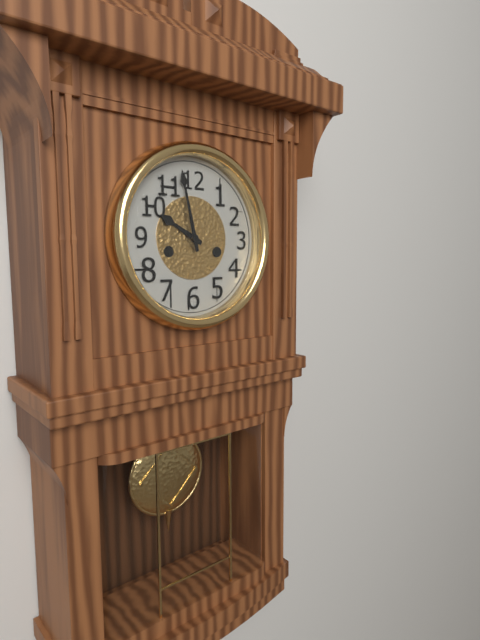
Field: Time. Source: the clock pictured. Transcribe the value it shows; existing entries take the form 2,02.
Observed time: 9,58
